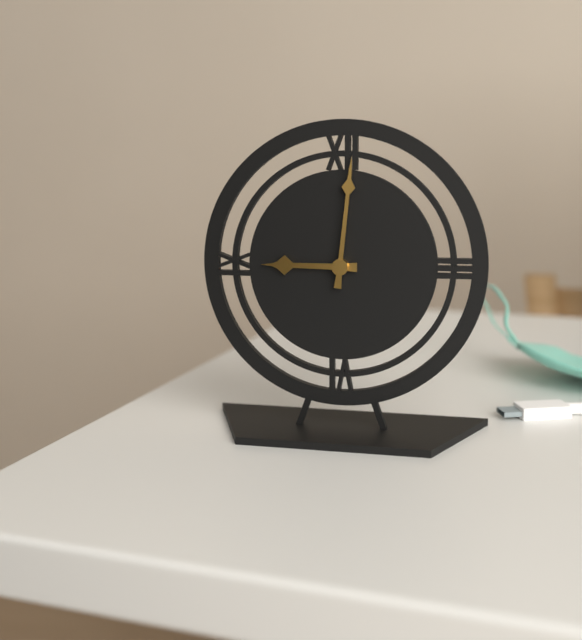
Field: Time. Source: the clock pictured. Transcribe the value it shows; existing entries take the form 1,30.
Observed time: 9,01
